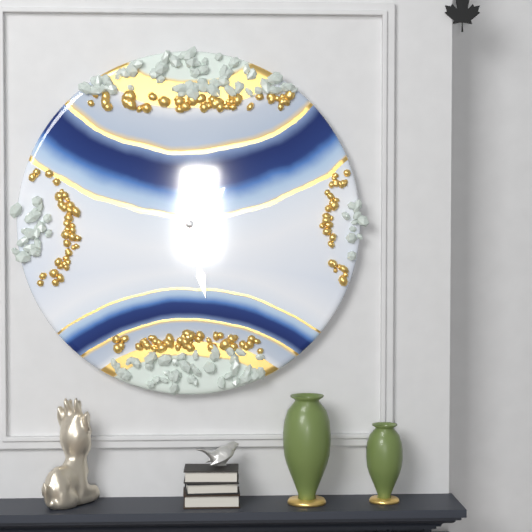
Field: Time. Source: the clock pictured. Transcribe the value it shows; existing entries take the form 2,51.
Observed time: 1,28
